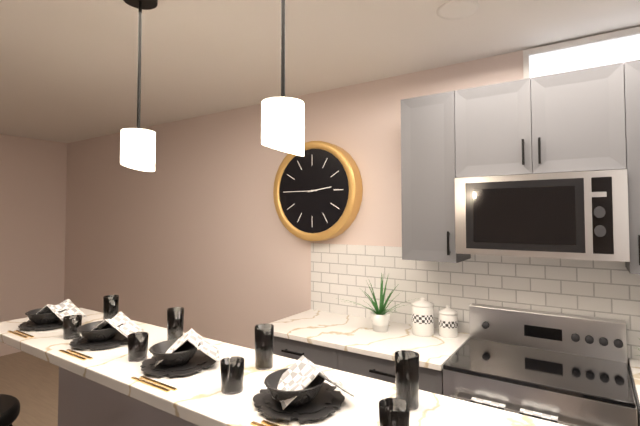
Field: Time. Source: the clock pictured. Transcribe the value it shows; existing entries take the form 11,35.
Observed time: 2,45
